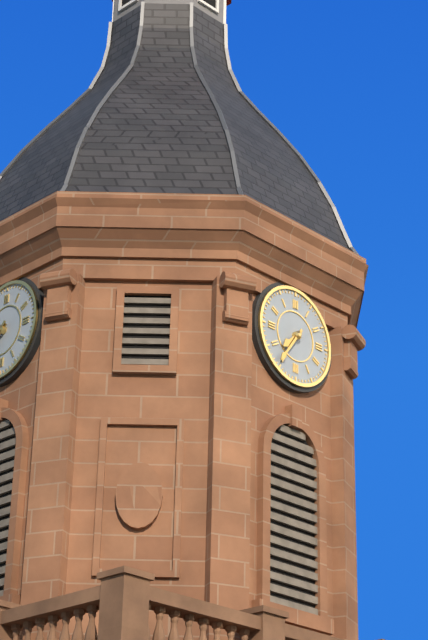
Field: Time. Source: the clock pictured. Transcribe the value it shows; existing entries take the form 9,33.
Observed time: 7,36
